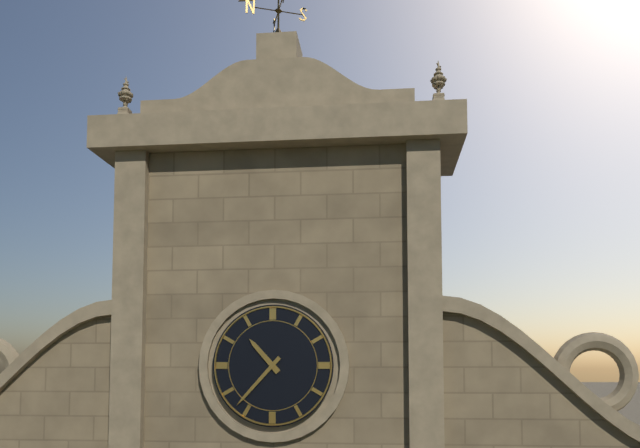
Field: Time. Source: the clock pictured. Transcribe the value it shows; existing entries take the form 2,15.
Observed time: 10,37
